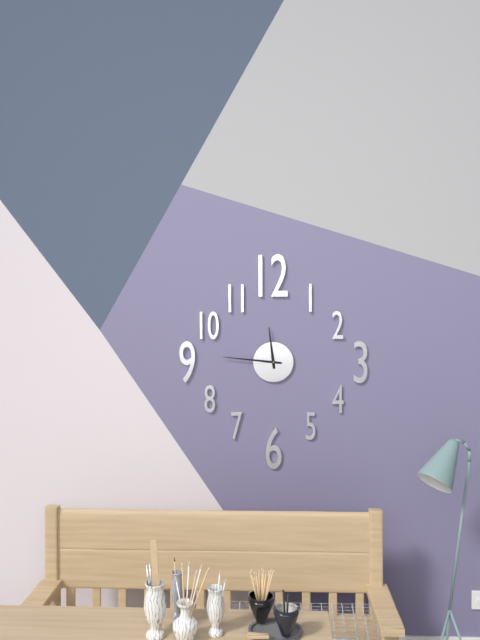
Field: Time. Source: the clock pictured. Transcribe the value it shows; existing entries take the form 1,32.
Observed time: 11,46
